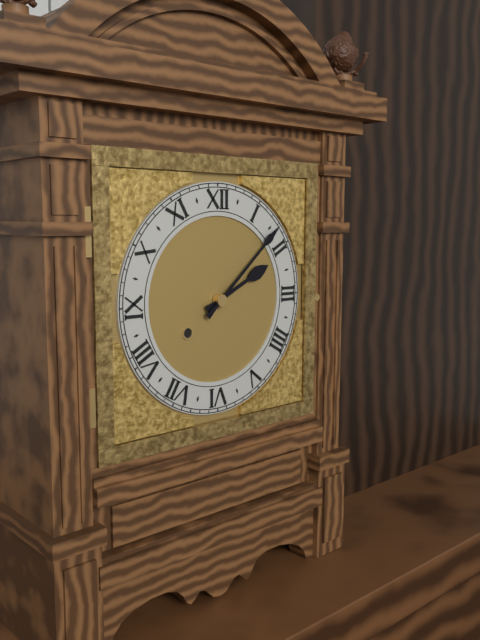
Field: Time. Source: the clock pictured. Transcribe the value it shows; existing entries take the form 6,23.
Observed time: 2,08
